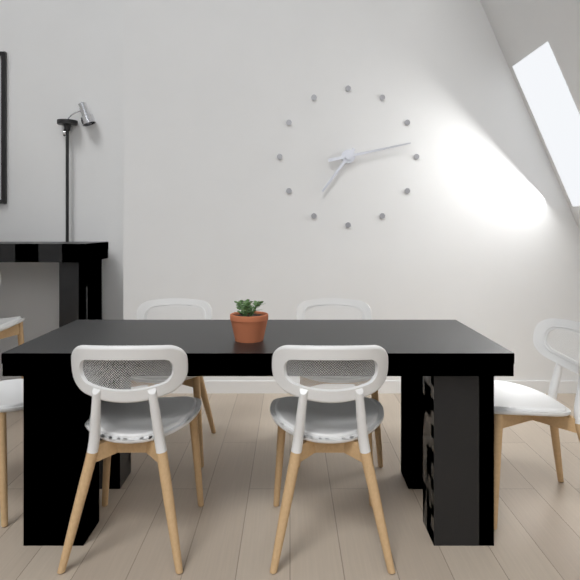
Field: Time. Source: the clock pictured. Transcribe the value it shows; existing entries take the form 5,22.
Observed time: 7,13
